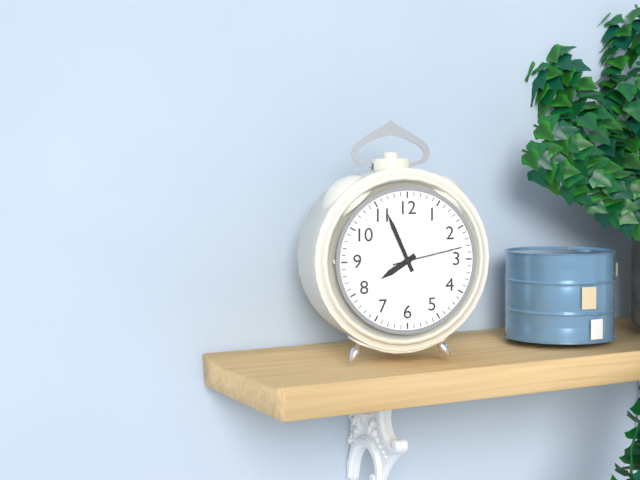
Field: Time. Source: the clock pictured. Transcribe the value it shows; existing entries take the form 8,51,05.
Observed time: 7,56,13
